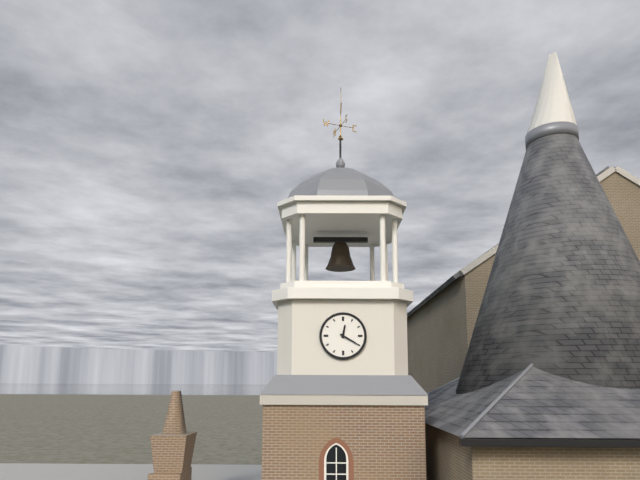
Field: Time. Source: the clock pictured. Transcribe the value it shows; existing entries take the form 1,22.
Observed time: 12,20
